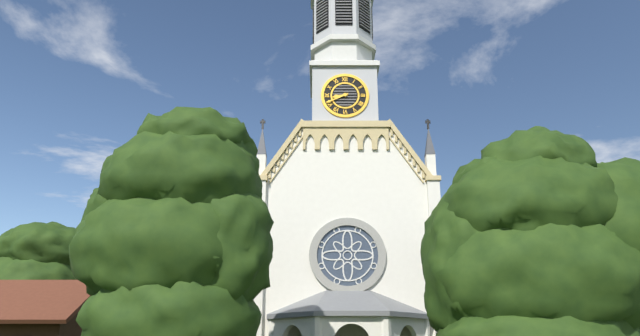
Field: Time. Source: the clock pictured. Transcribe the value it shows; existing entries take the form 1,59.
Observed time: 8,41
